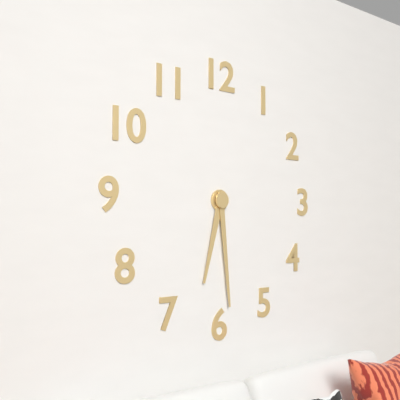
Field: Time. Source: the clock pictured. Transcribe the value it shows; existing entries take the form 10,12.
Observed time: 6,29
